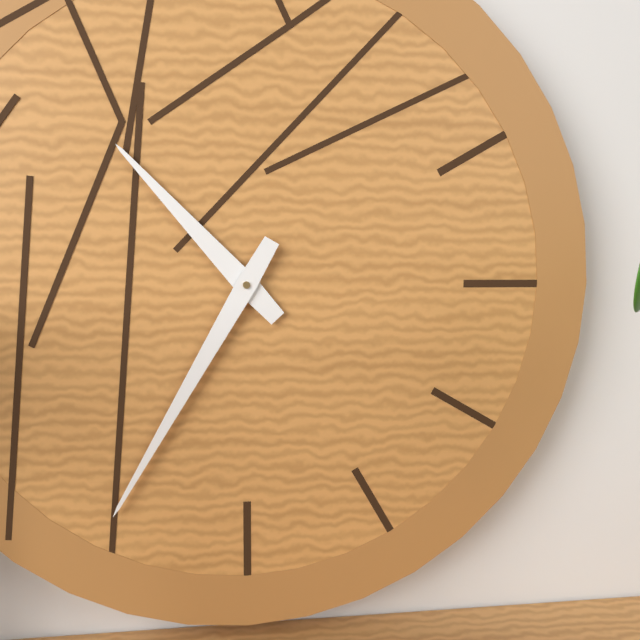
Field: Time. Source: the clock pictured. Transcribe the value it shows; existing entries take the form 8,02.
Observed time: 10,35
